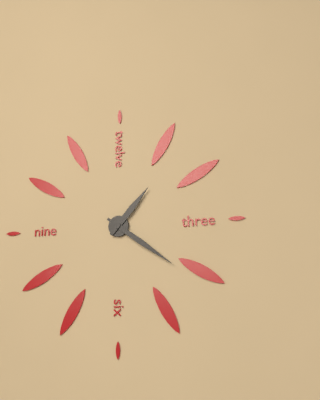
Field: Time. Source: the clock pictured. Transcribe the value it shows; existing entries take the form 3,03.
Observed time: 1,21
